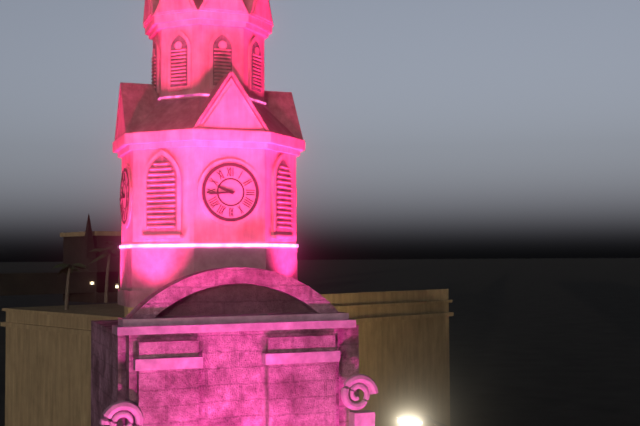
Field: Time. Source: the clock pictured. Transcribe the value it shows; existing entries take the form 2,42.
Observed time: 9,44
